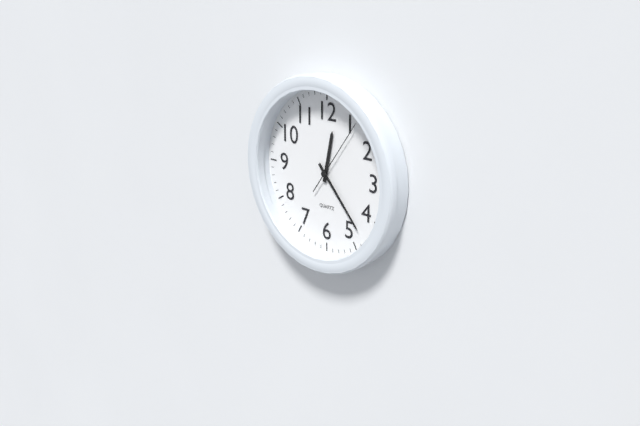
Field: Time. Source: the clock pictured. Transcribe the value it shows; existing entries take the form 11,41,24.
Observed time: 12,23,06
